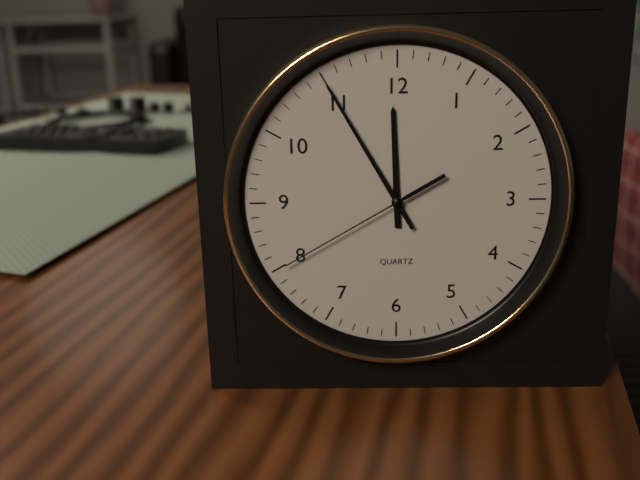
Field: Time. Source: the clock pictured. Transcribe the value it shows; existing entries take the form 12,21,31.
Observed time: 11,55,40
